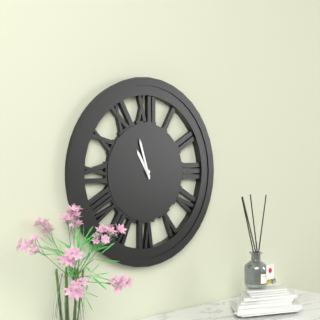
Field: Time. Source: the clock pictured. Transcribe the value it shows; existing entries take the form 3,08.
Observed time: 10,57
